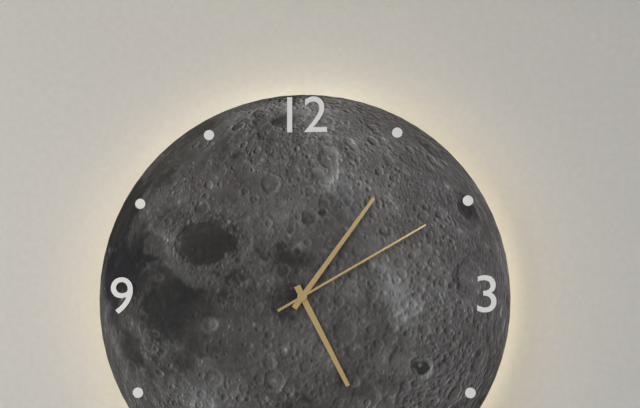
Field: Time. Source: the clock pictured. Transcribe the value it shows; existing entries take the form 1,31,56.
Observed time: 5,06,10
